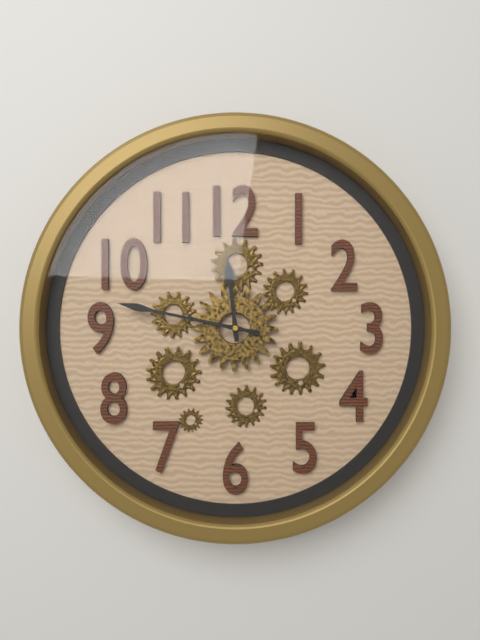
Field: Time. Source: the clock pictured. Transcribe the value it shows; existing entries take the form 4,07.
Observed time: 11,47
